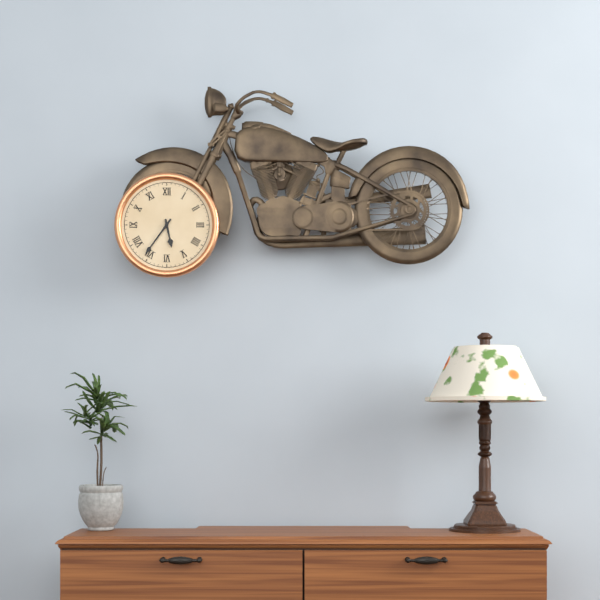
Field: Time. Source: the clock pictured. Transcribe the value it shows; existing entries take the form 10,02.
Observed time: 5,36
